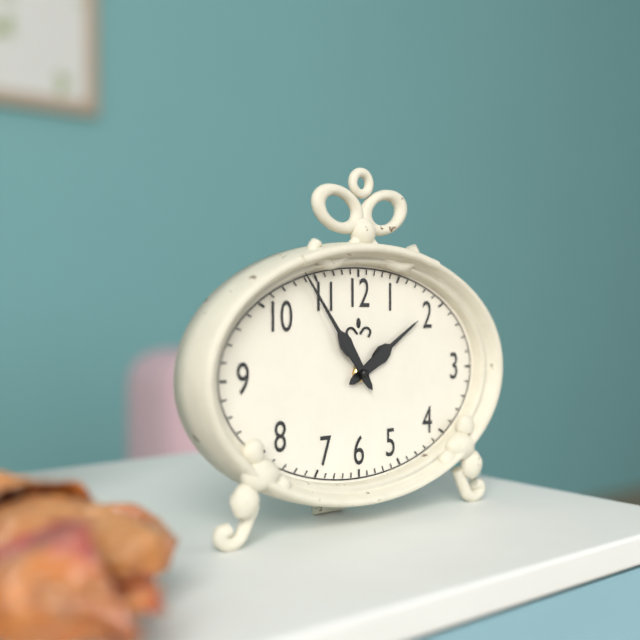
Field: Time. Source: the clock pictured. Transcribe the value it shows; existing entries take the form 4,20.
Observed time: 1,54
